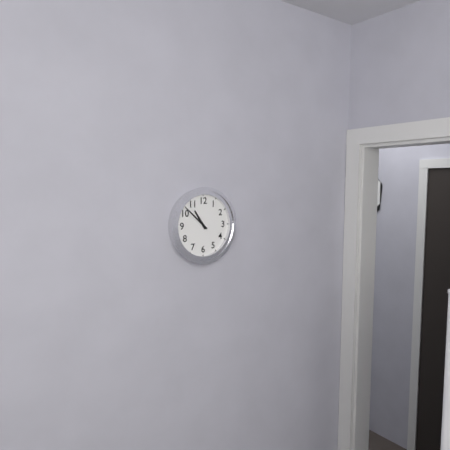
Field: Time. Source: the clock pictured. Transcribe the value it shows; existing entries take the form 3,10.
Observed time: 10,52
